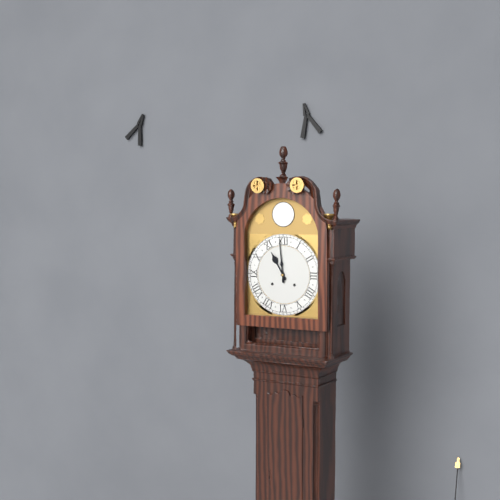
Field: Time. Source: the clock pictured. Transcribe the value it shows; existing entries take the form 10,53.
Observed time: 10,59
